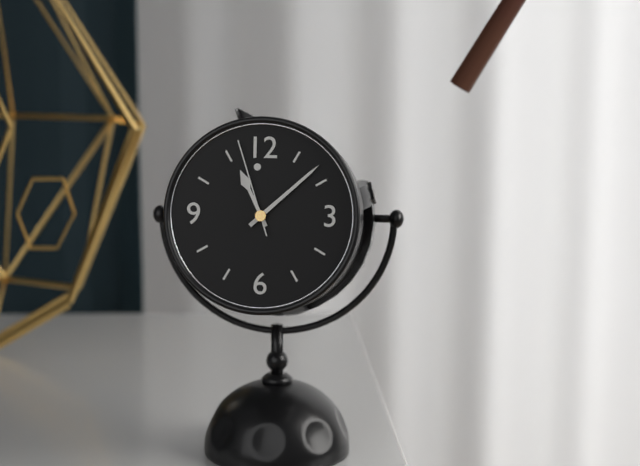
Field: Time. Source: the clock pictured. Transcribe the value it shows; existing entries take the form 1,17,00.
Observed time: 11,08,57
